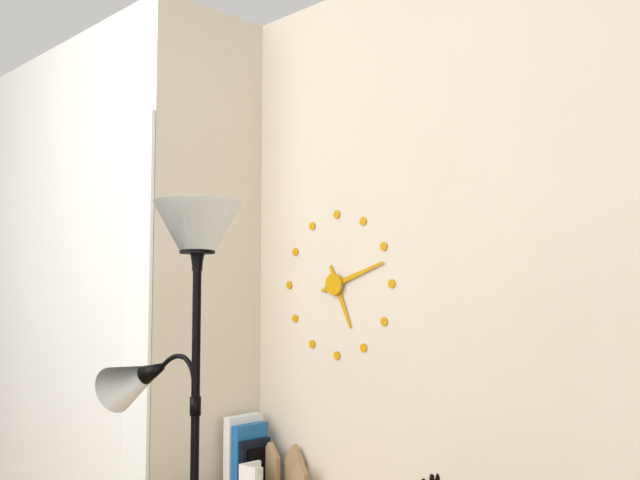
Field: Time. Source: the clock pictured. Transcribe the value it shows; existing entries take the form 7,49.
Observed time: 5,12
